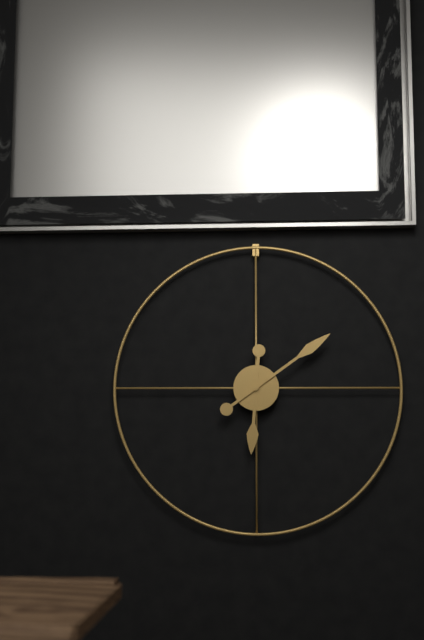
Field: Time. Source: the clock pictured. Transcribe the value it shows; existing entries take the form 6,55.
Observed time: 6,09
